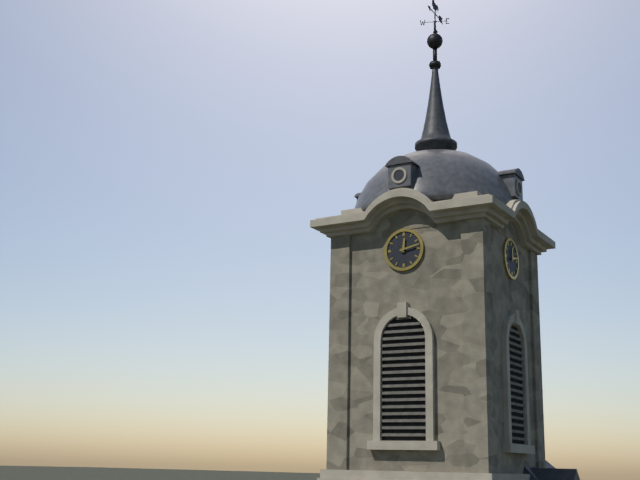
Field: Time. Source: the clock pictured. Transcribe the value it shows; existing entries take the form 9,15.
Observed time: 12,13
